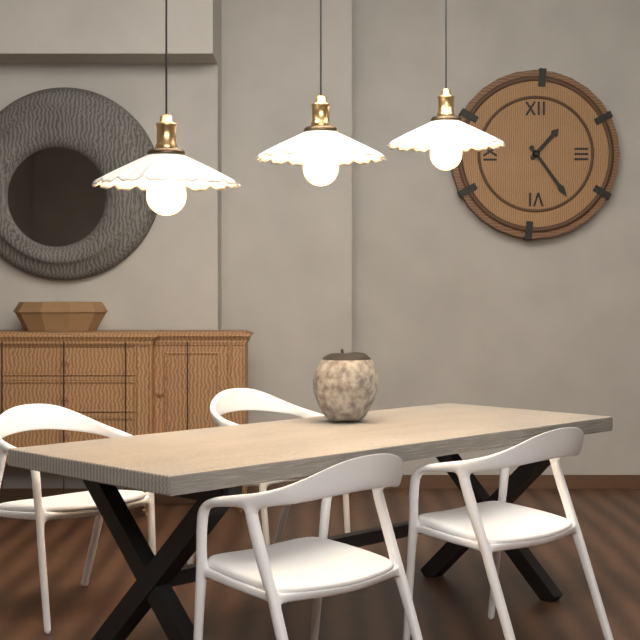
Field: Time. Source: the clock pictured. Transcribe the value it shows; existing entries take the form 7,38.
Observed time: 1,24
